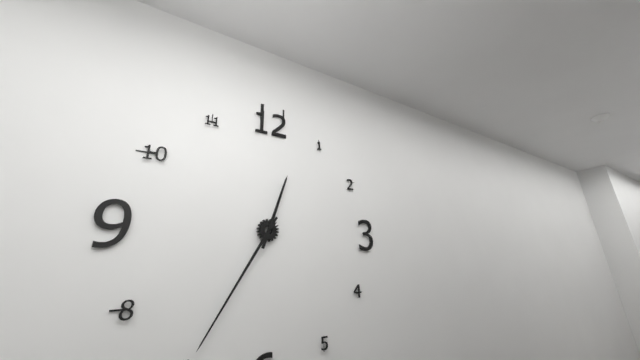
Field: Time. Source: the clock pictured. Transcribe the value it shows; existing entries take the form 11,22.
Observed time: 12,35
